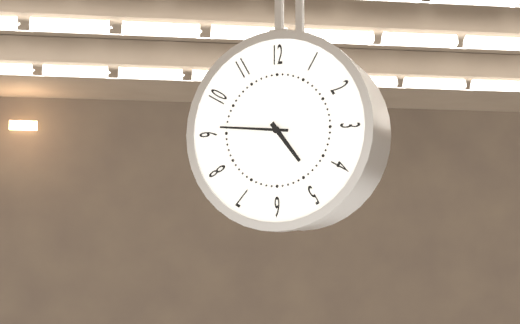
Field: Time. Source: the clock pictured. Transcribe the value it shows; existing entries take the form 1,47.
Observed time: 4,46
